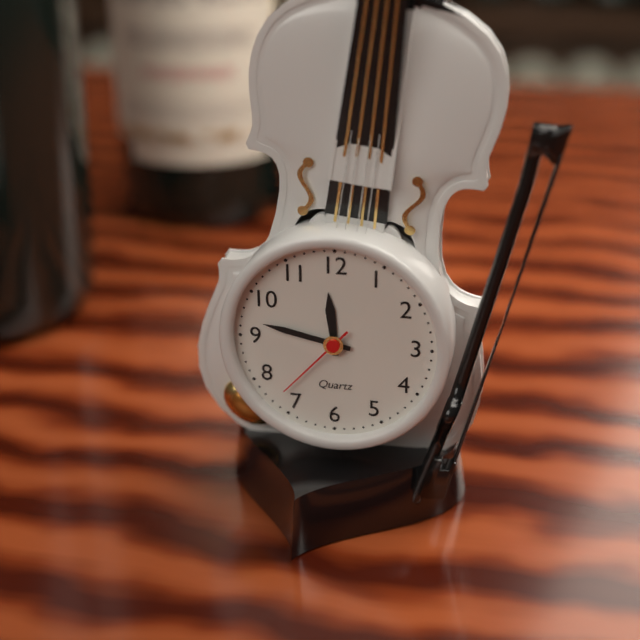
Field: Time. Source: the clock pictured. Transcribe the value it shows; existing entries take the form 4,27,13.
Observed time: 11,47,37
